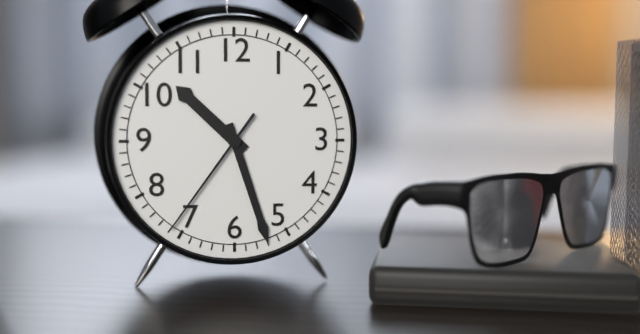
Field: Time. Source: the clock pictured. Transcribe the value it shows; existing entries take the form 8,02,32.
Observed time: 10,27,36
